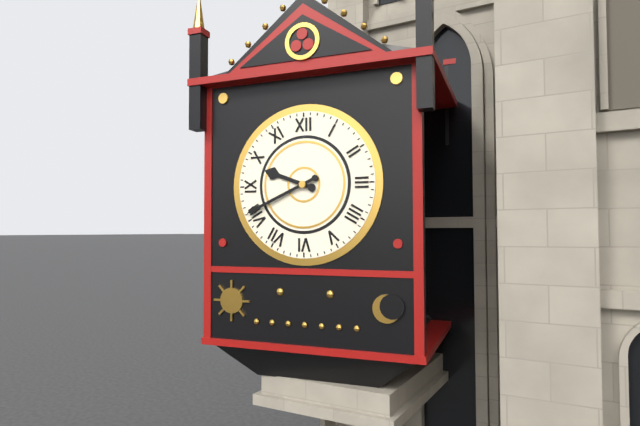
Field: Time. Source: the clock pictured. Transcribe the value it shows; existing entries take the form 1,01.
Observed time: 9,41
